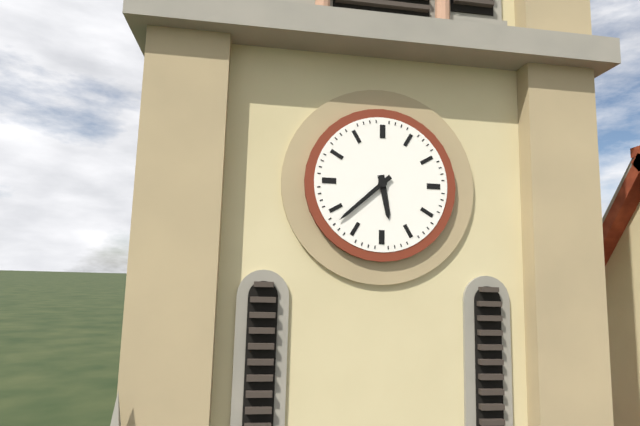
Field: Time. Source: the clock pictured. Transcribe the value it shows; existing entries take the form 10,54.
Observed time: 5,38
